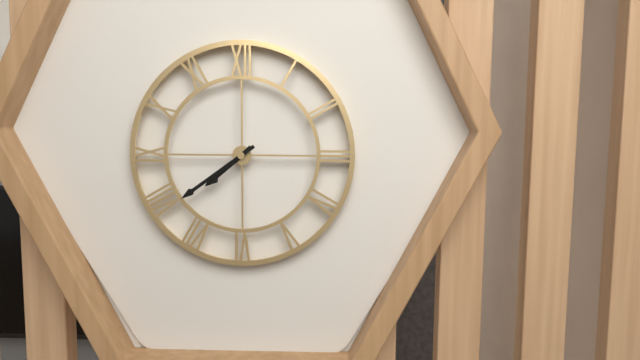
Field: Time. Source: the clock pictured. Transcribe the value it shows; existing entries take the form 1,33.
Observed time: 7,39
